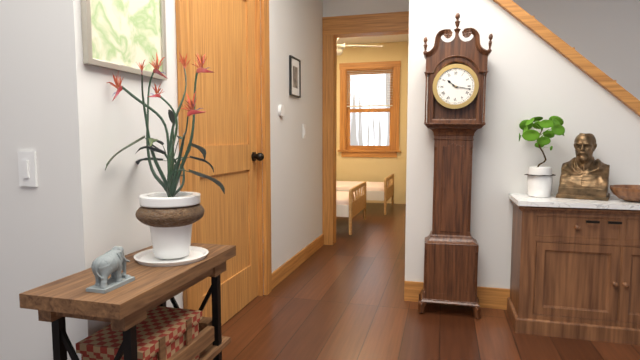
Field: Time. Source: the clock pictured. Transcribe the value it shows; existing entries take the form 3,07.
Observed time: 10,17
